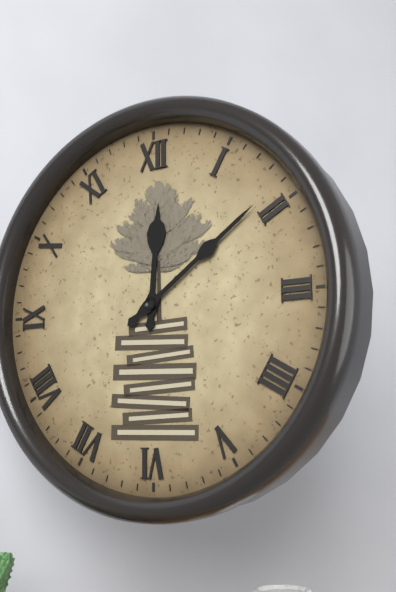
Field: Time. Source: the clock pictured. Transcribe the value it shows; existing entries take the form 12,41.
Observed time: 12,09
